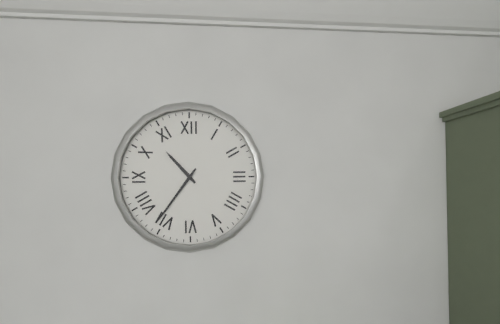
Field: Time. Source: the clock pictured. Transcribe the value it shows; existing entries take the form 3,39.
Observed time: 10,36
